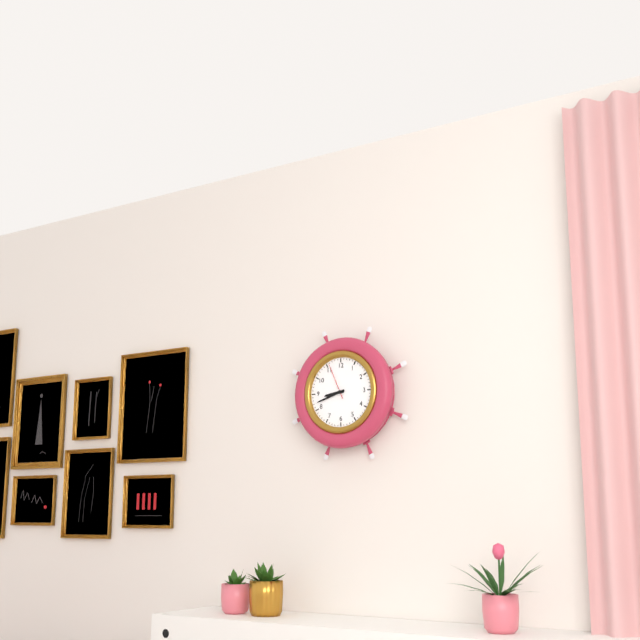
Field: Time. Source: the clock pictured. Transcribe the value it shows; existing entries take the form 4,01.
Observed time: 8,42
